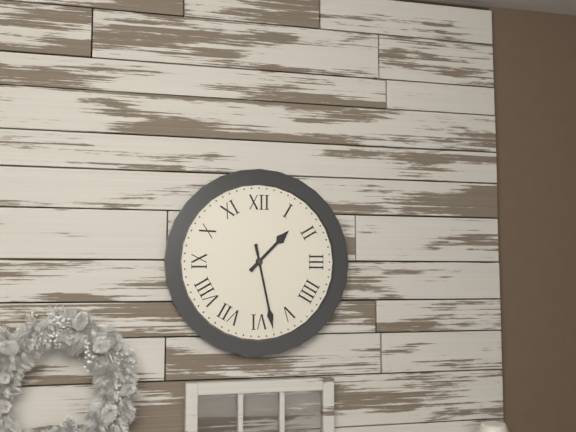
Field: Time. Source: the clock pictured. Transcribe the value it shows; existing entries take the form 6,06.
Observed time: 1,28
